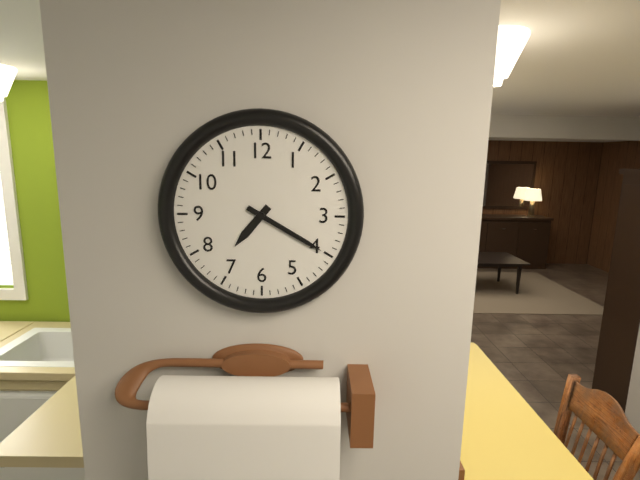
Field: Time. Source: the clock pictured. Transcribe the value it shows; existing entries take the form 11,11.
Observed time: 7,20
